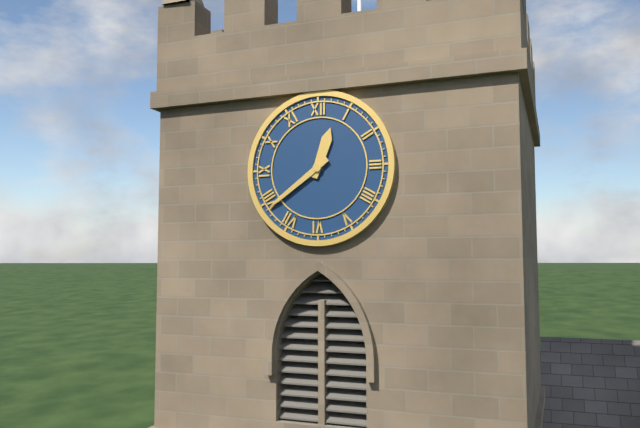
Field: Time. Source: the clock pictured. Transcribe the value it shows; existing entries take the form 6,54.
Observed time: 12,39
